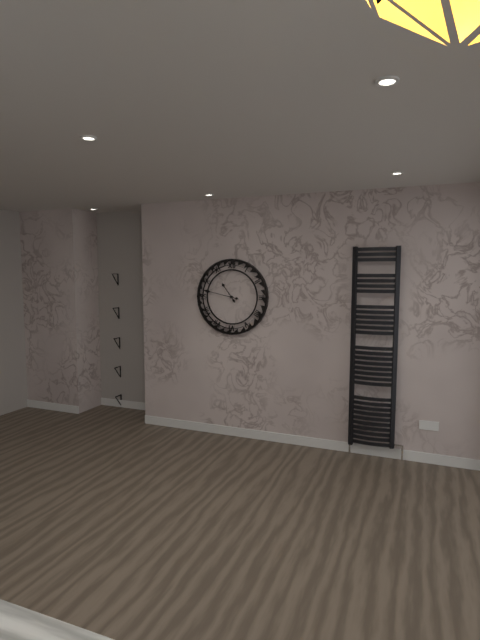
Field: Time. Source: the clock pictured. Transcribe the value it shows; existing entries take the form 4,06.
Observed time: 10,47
